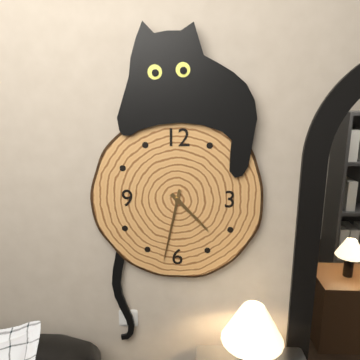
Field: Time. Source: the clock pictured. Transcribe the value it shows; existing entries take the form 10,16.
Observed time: 4,32
